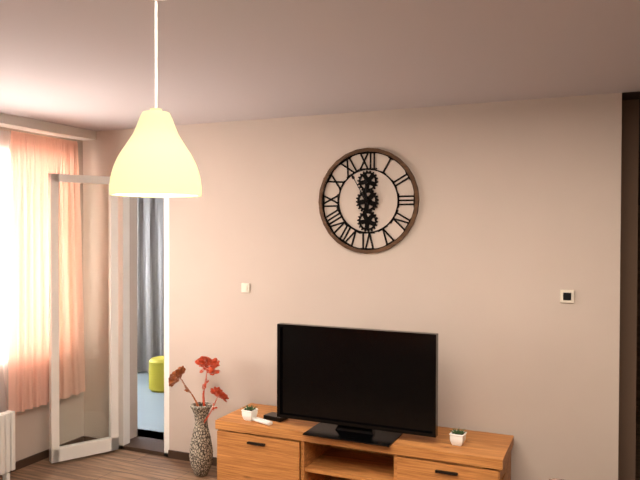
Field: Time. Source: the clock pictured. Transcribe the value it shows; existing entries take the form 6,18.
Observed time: 11,55
